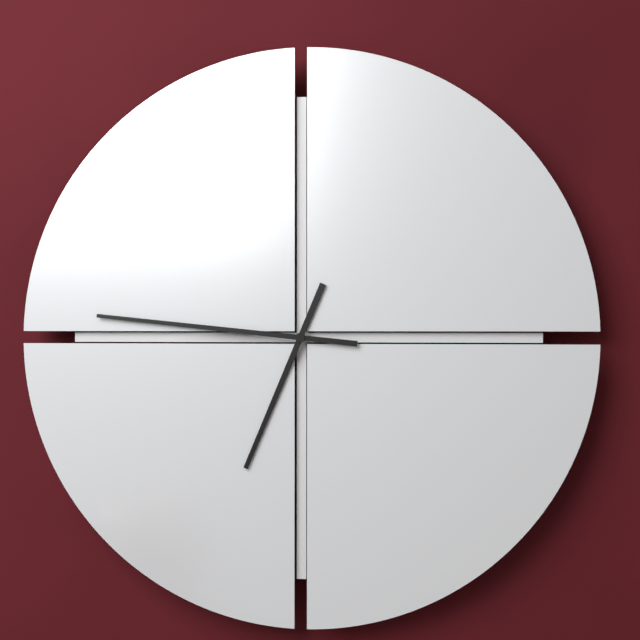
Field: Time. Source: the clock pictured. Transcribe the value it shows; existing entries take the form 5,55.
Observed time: 6,46
